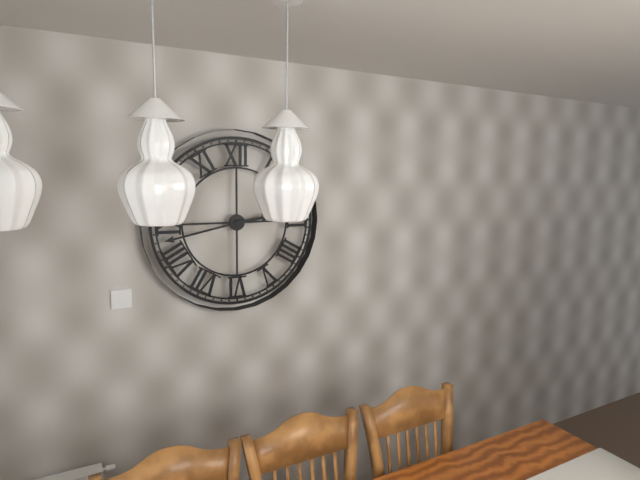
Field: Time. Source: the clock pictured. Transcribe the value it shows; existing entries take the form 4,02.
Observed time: 2,43
